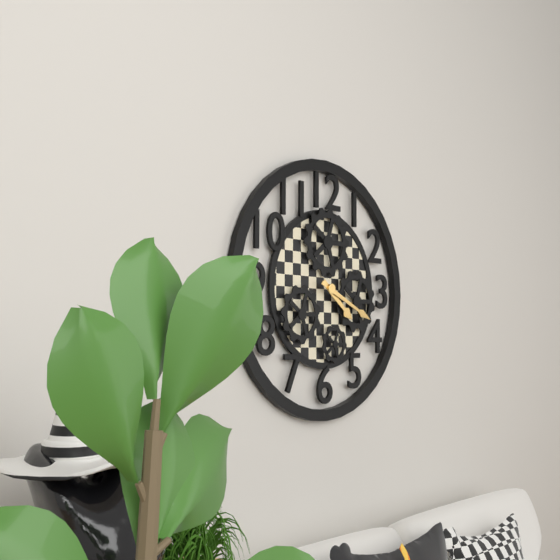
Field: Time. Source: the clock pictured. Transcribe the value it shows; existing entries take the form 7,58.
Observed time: 4,19
